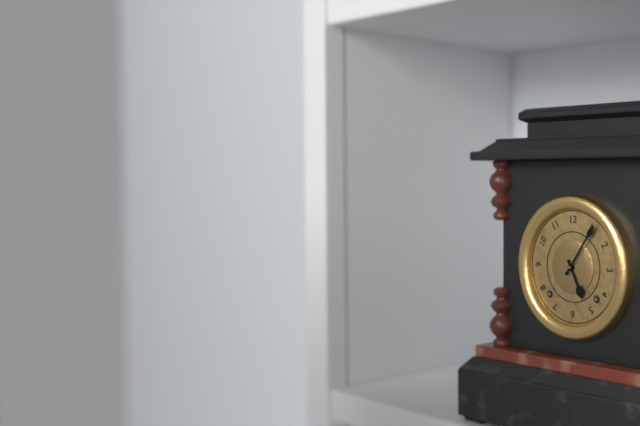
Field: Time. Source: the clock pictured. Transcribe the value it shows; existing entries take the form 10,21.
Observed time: 5,06
